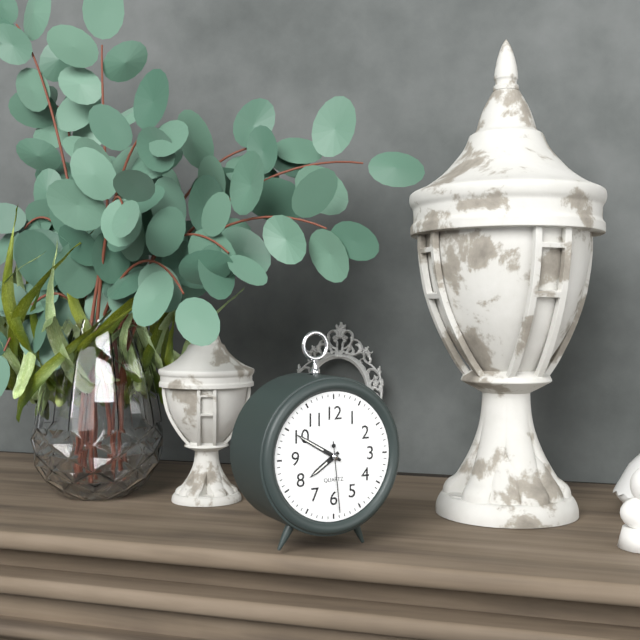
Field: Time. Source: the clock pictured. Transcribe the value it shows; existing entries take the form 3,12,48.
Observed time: 7,50,29
